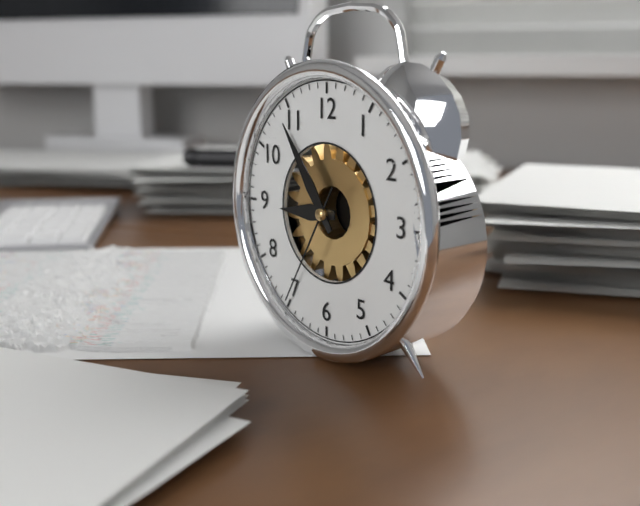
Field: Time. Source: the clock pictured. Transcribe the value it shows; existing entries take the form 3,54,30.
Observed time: 8,54,35
